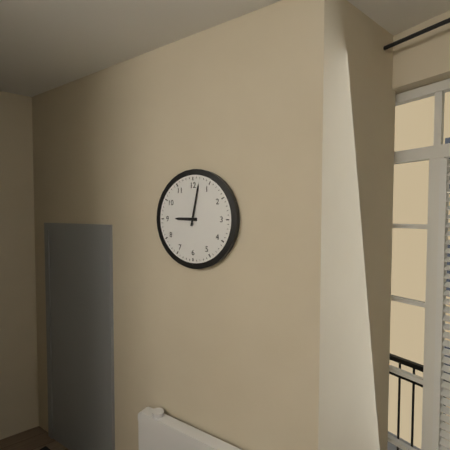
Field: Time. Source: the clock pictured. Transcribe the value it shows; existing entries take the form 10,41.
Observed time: 9,02
